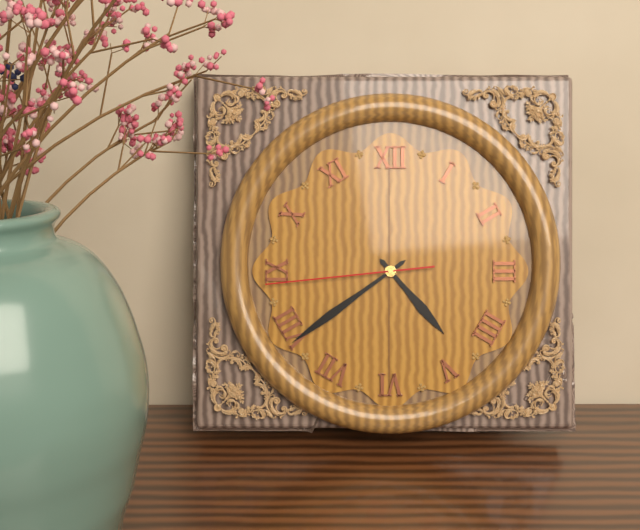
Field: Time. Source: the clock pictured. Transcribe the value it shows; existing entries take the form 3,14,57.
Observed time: 4,39,44
